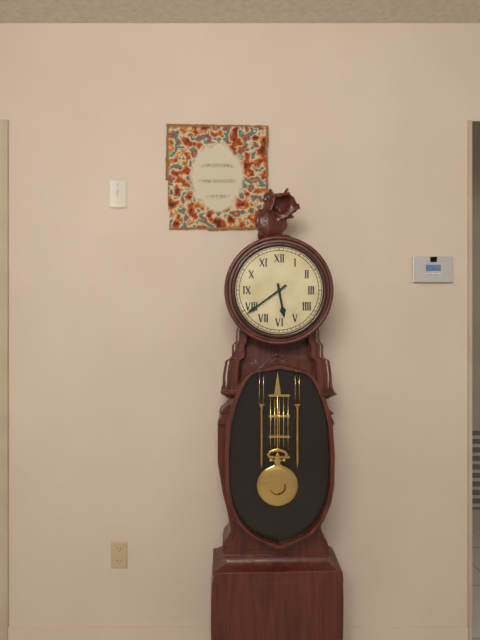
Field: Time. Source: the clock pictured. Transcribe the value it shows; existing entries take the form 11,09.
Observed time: 5,39
